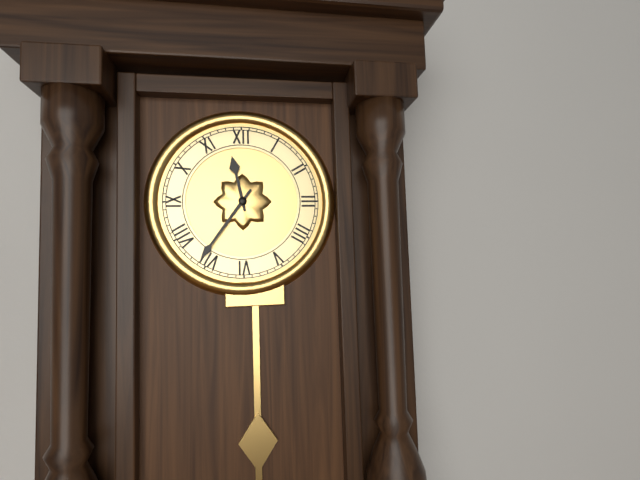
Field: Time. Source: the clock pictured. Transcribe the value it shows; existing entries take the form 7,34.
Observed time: 11,36
